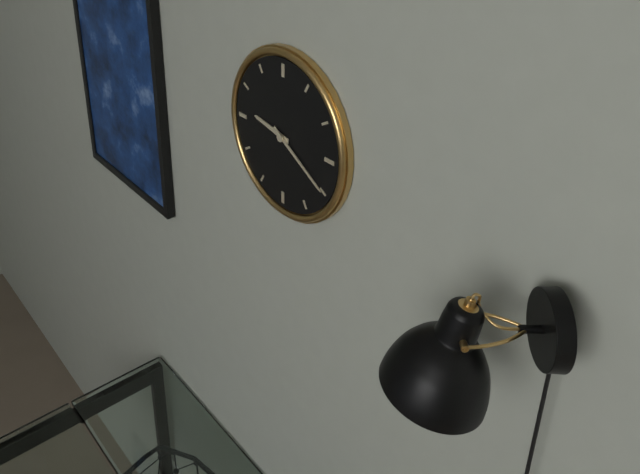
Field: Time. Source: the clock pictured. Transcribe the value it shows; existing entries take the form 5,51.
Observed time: 9,20
